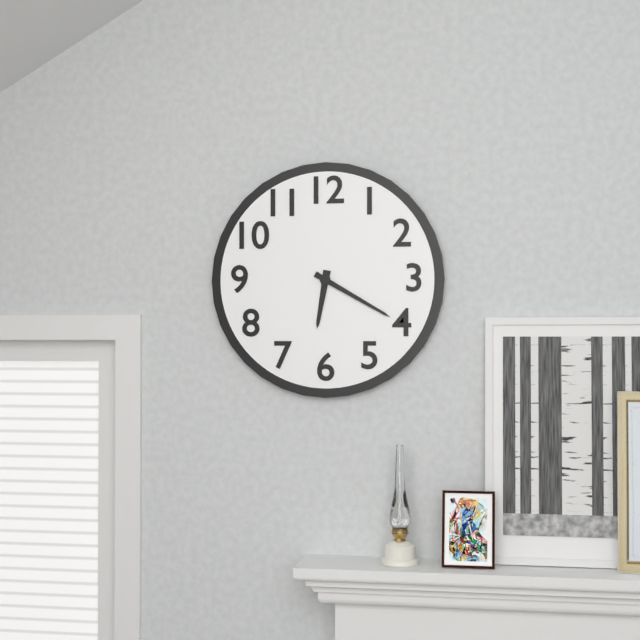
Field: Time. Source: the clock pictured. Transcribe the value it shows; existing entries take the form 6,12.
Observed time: 6,20
